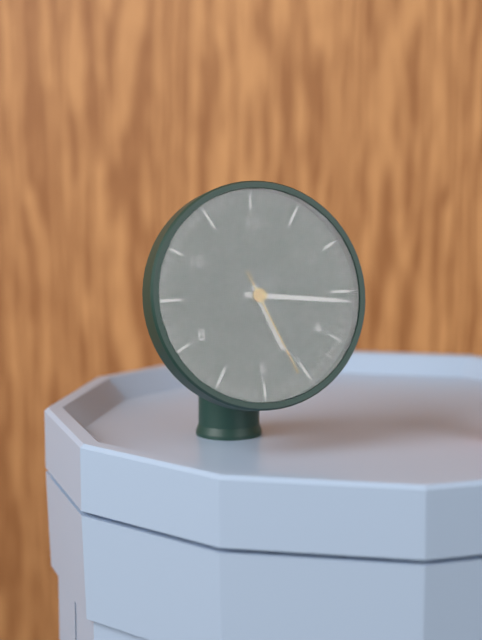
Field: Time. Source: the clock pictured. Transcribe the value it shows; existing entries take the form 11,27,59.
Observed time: 5,16,26
